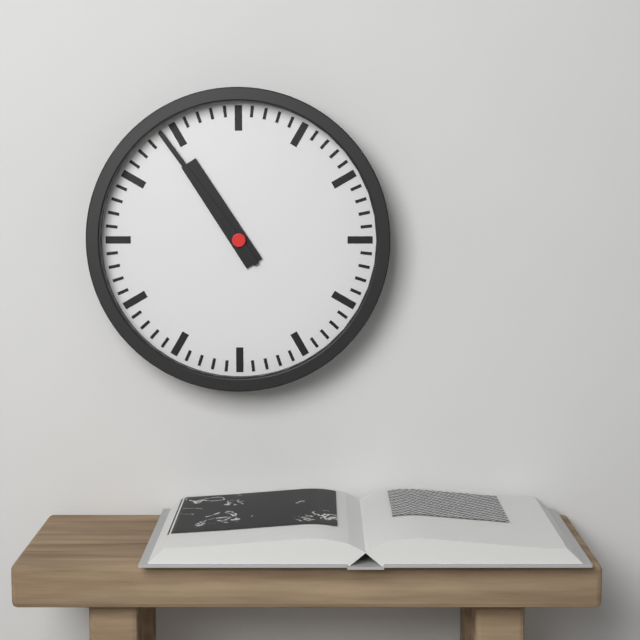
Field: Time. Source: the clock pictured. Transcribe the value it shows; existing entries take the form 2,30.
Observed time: 10,54
